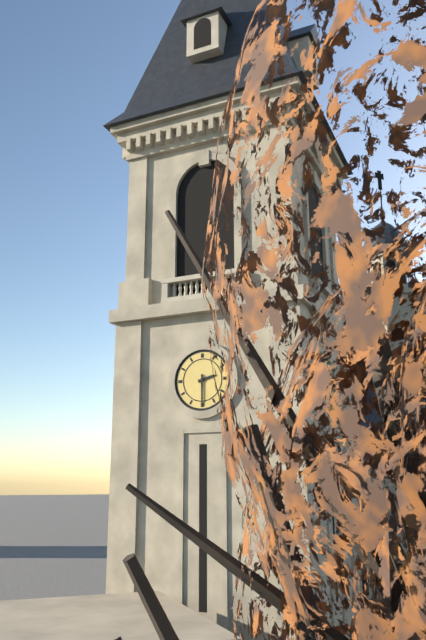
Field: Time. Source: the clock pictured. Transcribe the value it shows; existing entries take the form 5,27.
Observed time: 2,30
